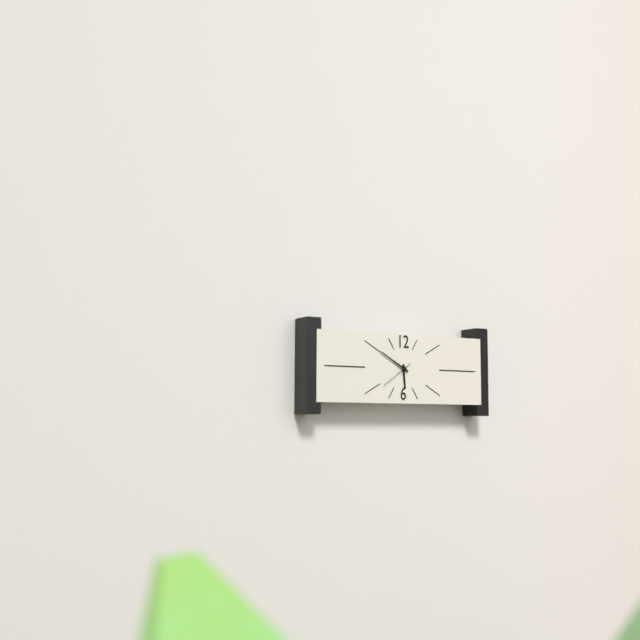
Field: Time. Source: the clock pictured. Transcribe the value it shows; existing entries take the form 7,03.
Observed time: 5,50
